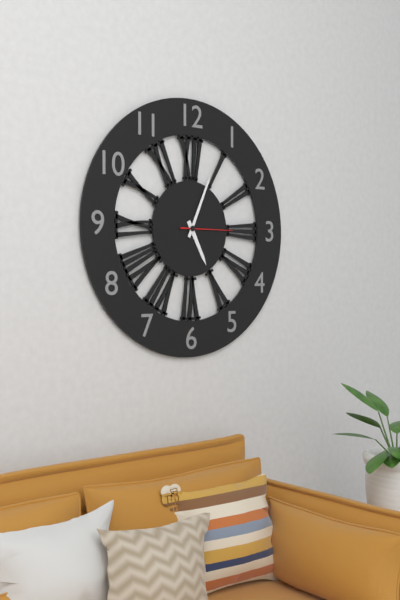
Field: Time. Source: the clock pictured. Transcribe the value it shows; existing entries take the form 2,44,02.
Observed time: 5,04,15
